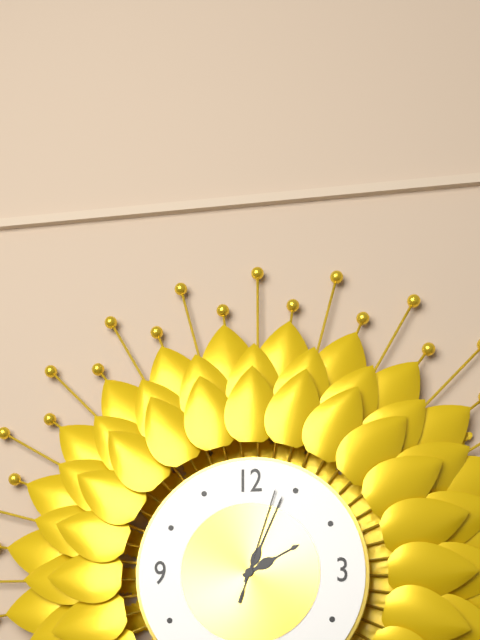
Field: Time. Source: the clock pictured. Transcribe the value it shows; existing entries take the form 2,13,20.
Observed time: 2,04,03
